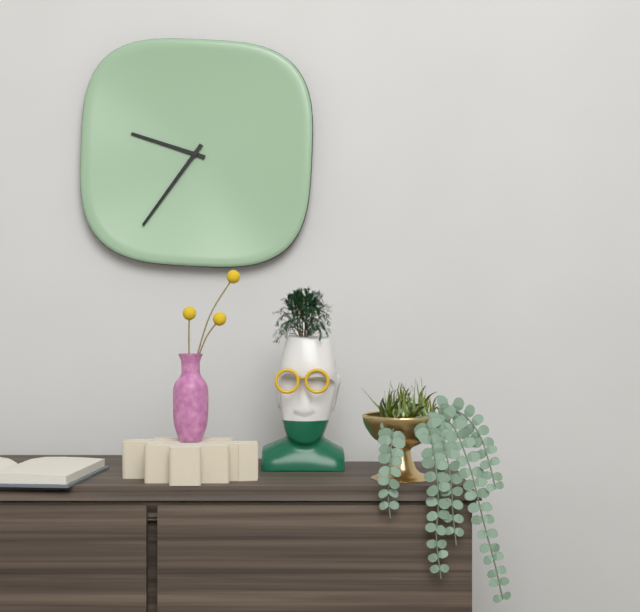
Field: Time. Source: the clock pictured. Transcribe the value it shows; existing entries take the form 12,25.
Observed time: 9,36
